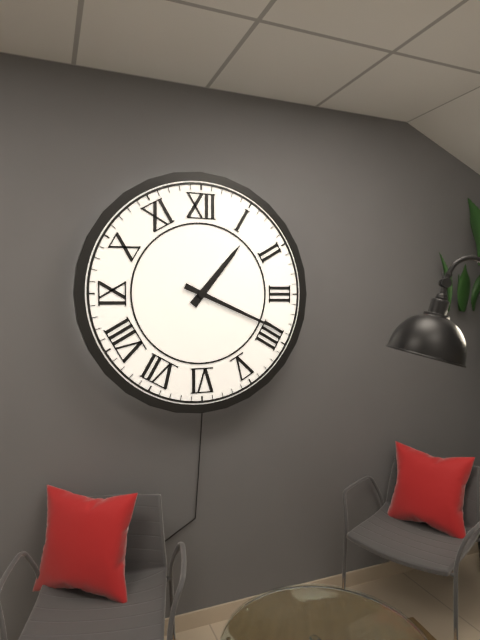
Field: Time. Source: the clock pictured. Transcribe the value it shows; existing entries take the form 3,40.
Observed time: 1,19
